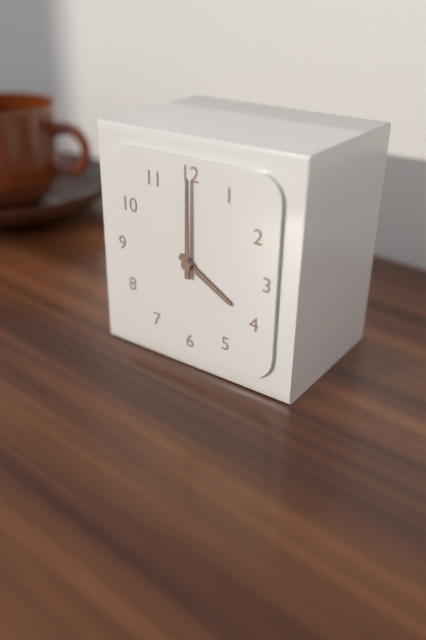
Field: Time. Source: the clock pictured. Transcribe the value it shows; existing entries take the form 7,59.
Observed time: 4,00
